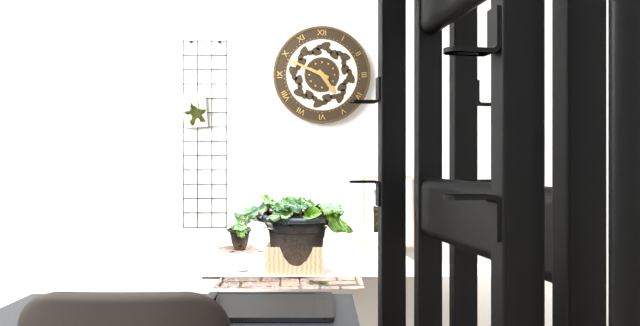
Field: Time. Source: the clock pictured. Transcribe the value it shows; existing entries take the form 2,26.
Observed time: 4,49
